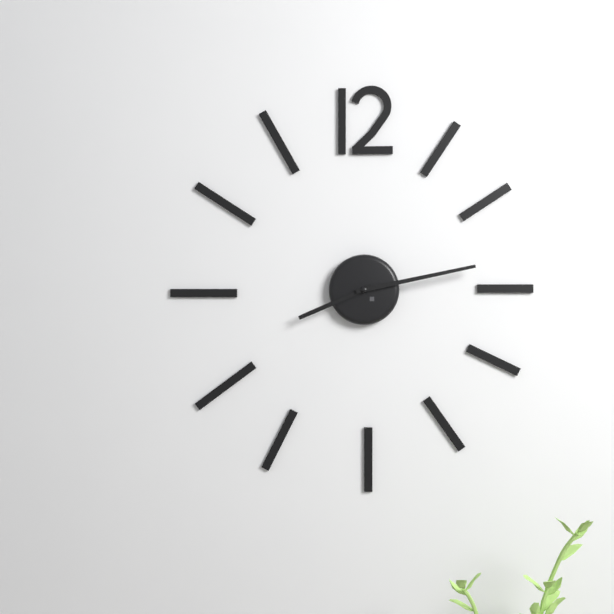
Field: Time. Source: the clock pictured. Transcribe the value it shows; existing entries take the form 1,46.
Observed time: 8,13
